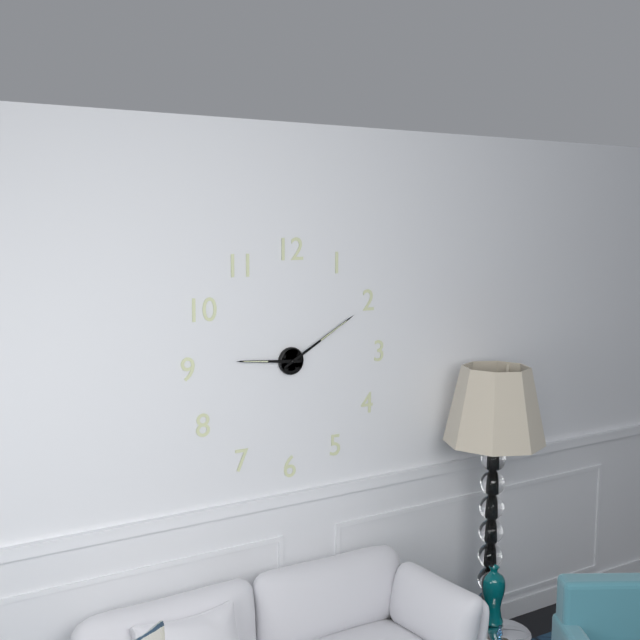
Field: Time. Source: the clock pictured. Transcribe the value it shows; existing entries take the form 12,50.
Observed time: 9,10
